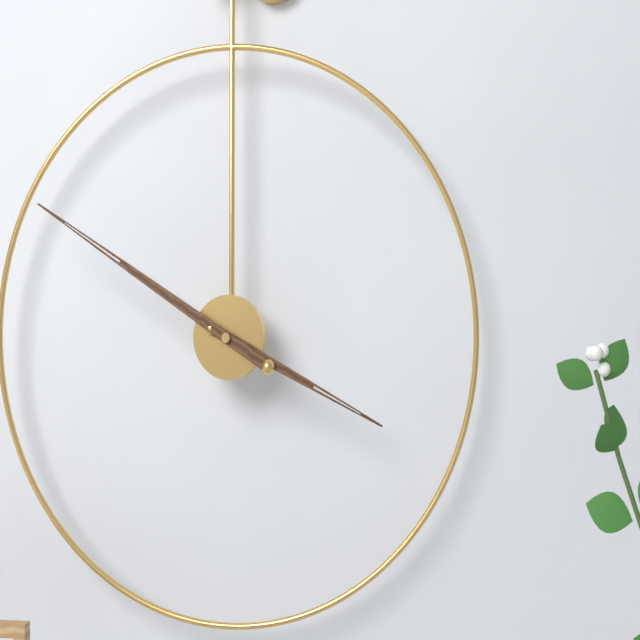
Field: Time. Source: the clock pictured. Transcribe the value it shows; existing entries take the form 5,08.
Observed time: 3,50
